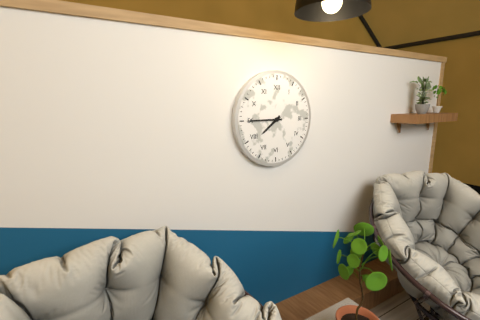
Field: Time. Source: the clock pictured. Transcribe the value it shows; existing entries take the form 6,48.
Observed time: 7,45
